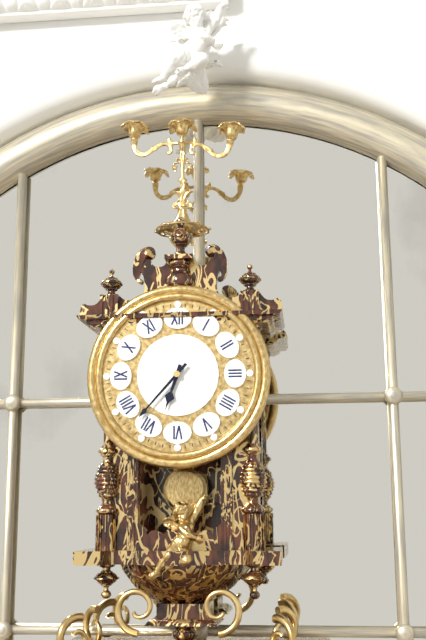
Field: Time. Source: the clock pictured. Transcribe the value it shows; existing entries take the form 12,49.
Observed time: 6,37
